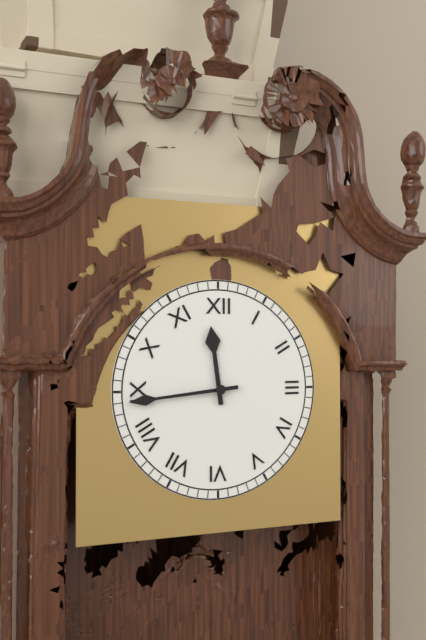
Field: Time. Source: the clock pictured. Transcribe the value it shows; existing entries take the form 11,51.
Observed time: 11,44
